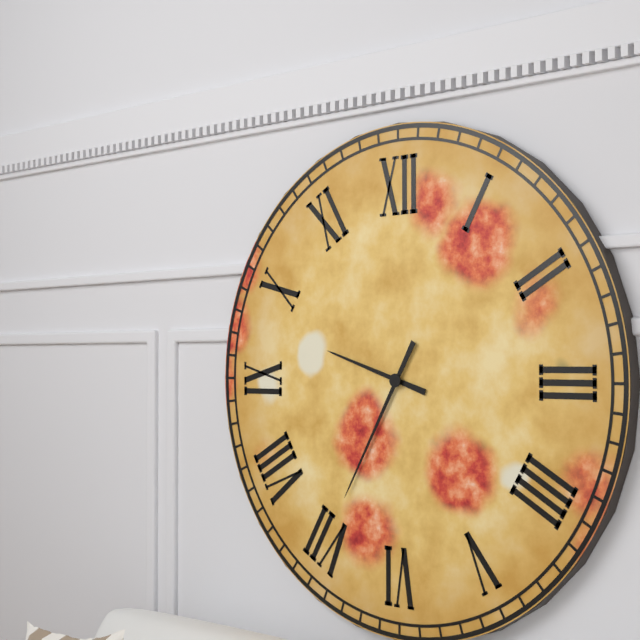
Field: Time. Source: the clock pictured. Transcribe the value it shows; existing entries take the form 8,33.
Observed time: 9,35
